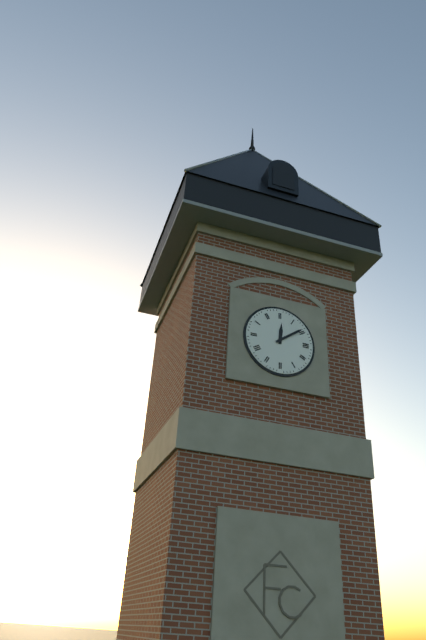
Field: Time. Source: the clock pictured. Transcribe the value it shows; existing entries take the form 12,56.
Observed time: 12,09
